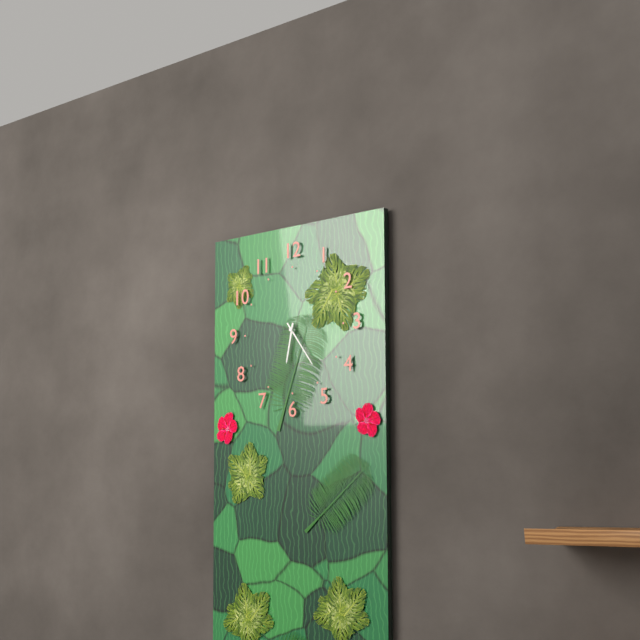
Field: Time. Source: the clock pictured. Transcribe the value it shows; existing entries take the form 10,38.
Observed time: 6,24
